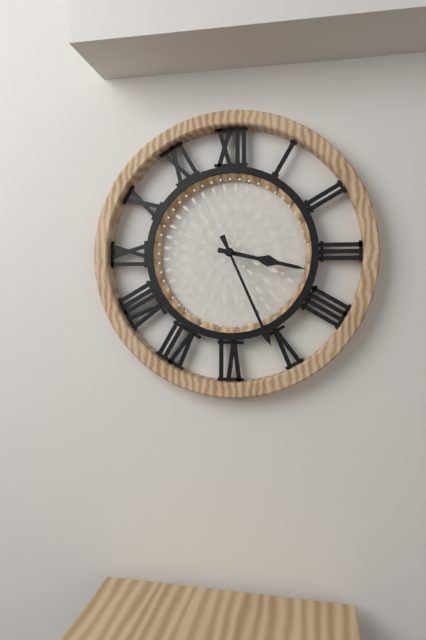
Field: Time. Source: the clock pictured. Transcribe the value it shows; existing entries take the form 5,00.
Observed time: 3,26
